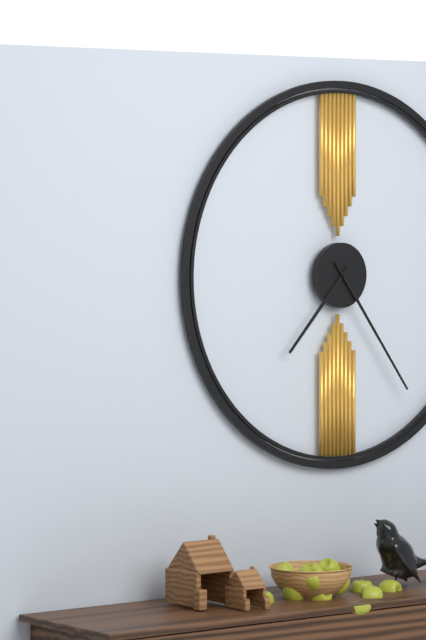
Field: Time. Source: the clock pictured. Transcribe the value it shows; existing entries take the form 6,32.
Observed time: 7,24
